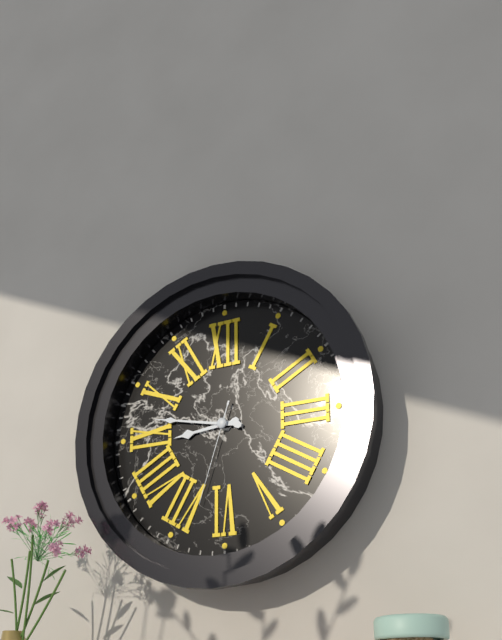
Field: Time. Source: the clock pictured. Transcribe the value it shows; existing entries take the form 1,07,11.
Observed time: 8,47,33
